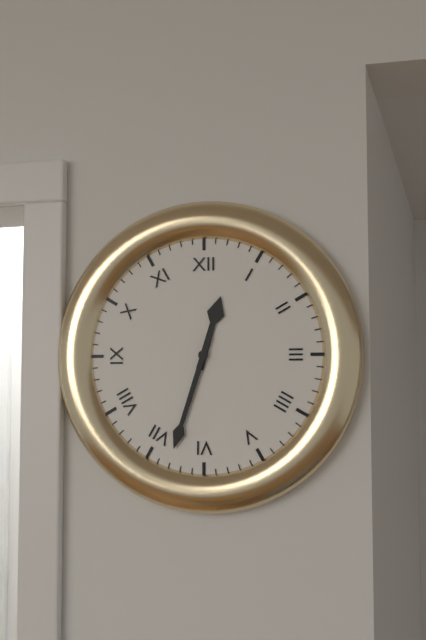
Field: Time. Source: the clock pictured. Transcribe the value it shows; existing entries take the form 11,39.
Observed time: 12,33
